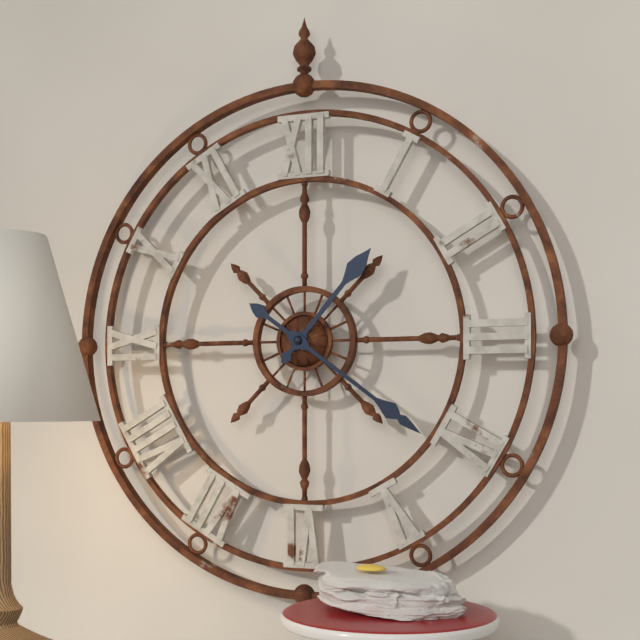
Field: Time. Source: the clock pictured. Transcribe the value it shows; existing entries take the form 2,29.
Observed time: 1,21
